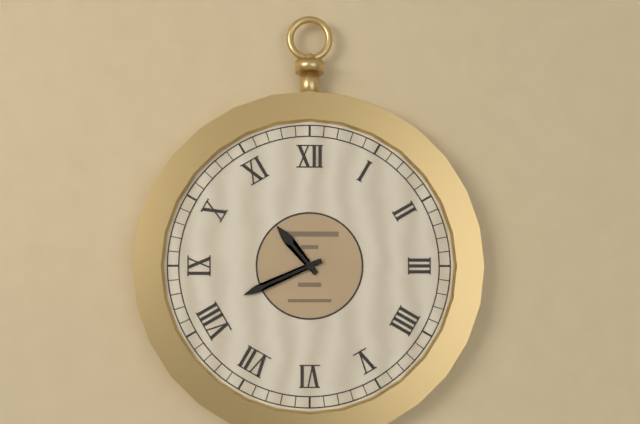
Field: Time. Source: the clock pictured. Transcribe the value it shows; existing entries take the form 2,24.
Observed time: 10,41
